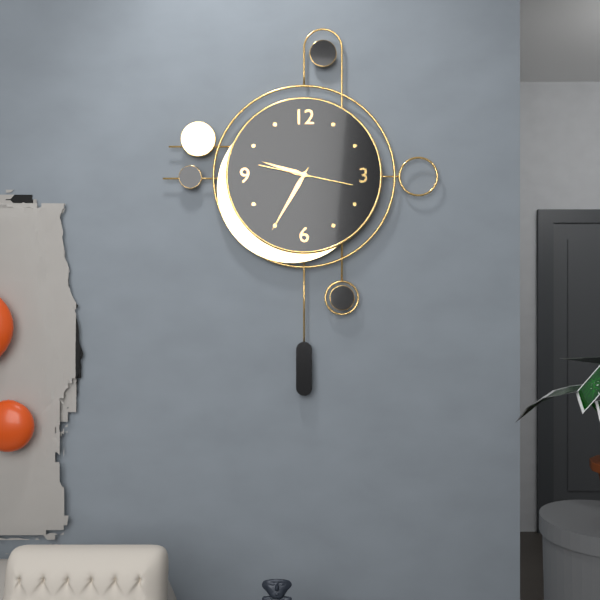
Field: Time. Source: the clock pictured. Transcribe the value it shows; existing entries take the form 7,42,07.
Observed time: 9,35,17
